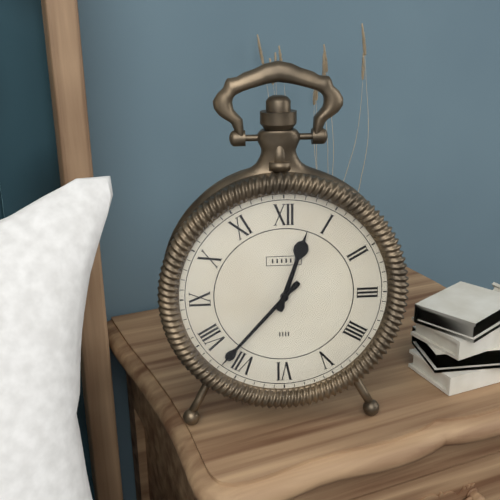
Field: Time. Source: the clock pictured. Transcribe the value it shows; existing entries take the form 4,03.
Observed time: 12,37
